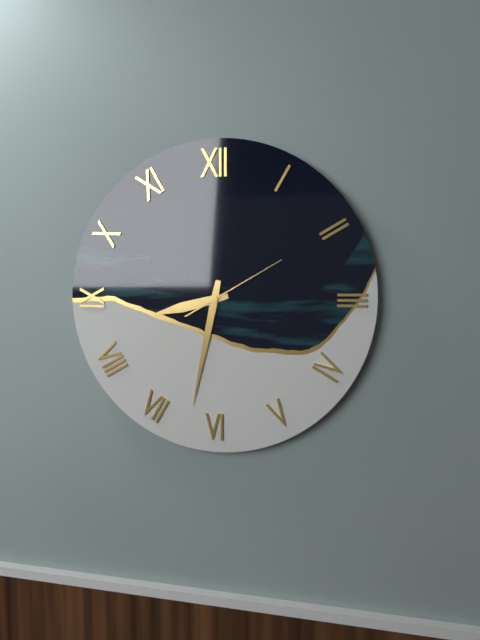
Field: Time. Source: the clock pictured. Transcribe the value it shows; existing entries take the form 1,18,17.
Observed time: 8,32,10
